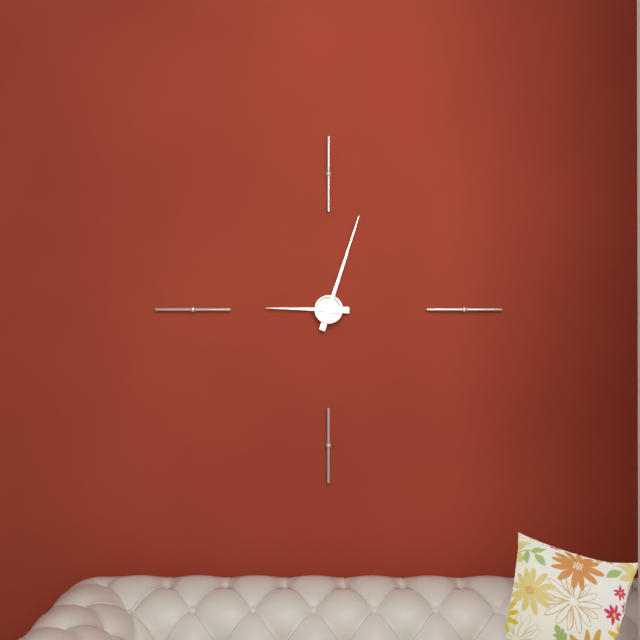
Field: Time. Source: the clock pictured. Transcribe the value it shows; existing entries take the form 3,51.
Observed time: 9,03
